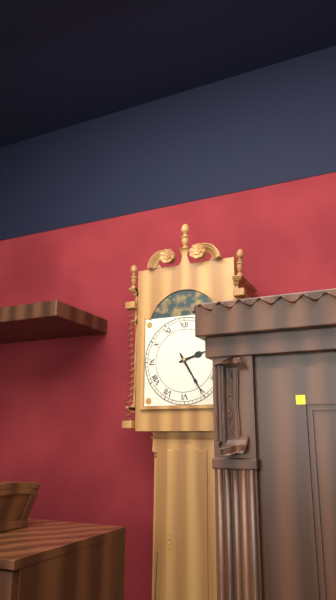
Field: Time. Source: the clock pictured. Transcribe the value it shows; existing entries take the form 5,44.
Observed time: 2,25
